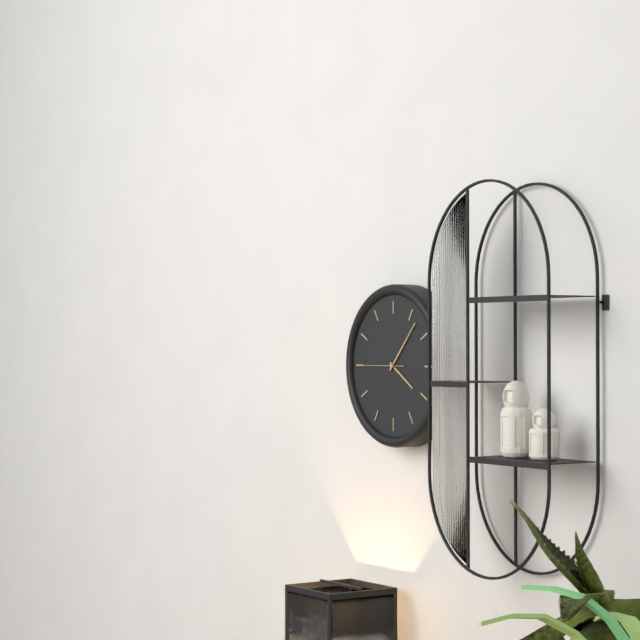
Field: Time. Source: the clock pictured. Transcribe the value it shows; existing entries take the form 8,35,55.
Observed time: 4,07,45
